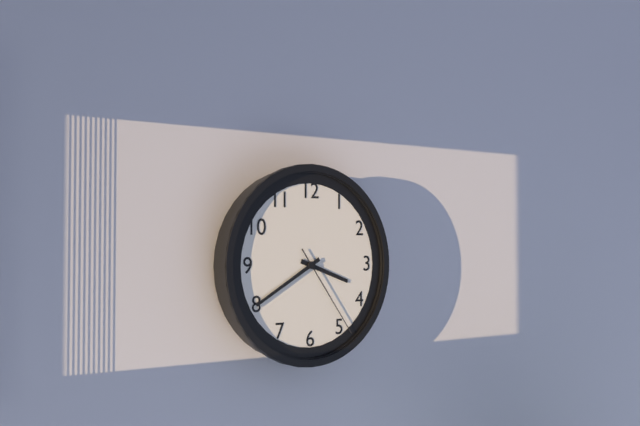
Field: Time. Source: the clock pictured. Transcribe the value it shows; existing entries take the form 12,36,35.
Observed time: 3,40,24
